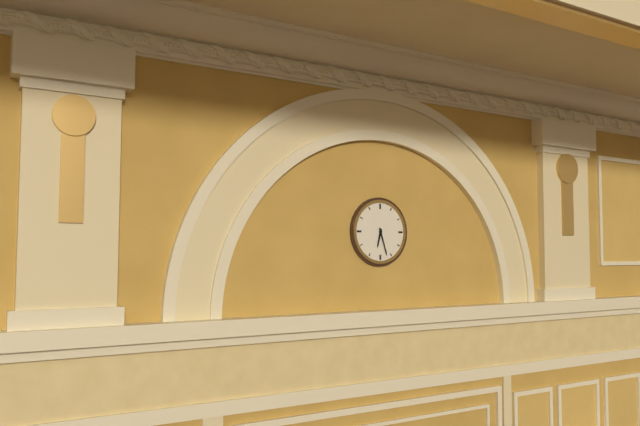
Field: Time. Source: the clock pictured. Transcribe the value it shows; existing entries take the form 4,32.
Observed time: 6,27
